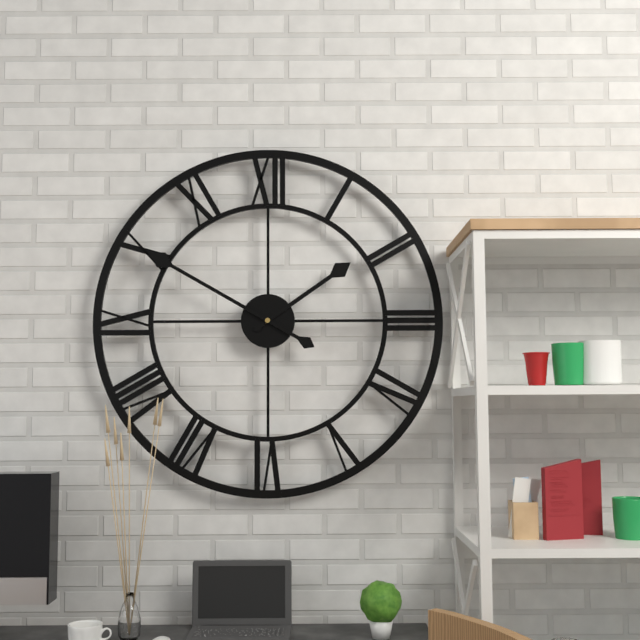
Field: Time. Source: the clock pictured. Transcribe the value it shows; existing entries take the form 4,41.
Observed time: 1,50
